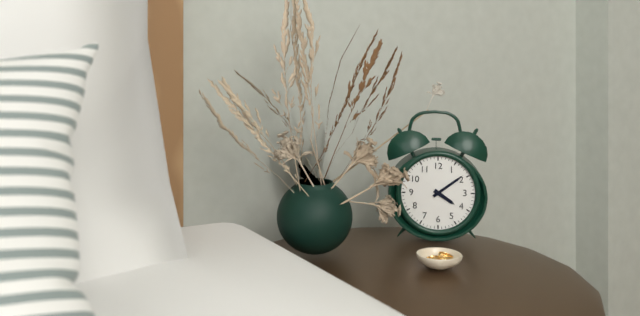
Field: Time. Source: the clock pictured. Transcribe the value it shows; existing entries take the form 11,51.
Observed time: 4,09
